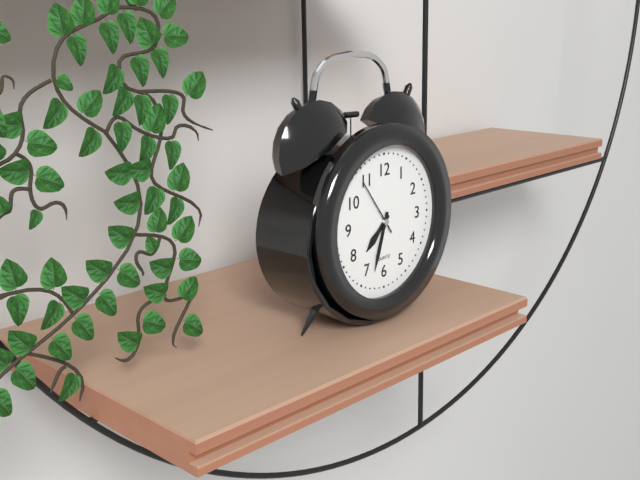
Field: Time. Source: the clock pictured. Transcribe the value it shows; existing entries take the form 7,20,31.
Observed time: 7,33,54
